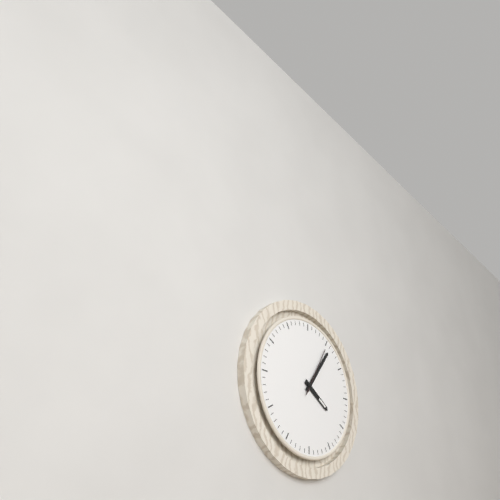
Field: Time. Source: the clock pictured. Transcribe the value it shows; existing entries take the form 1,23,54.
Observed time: 4,06,05
